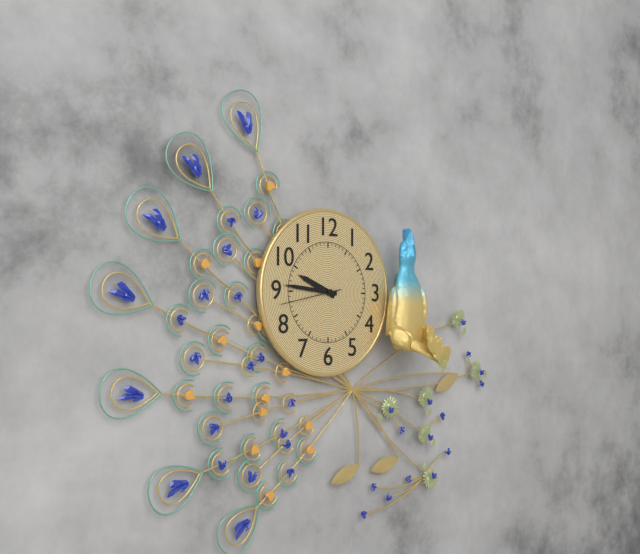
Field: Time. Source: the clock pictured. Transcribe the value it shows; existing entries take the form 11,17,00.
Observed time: 9,46,43
